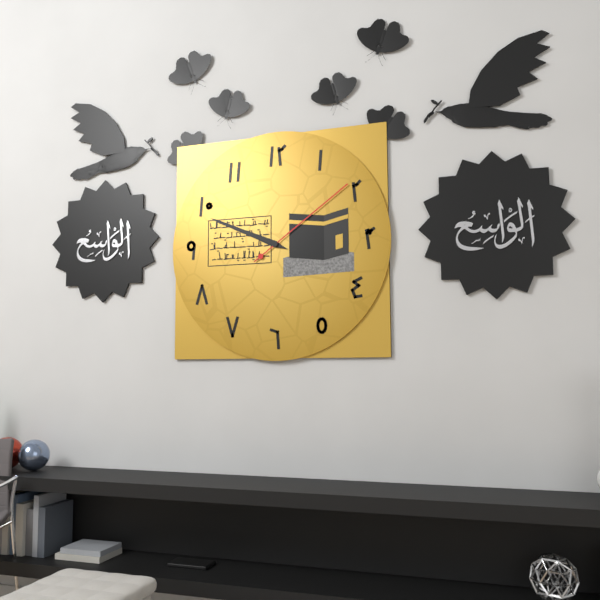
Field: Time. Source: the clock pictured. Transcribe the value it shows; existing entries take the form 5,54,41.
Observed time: 9,49,09
